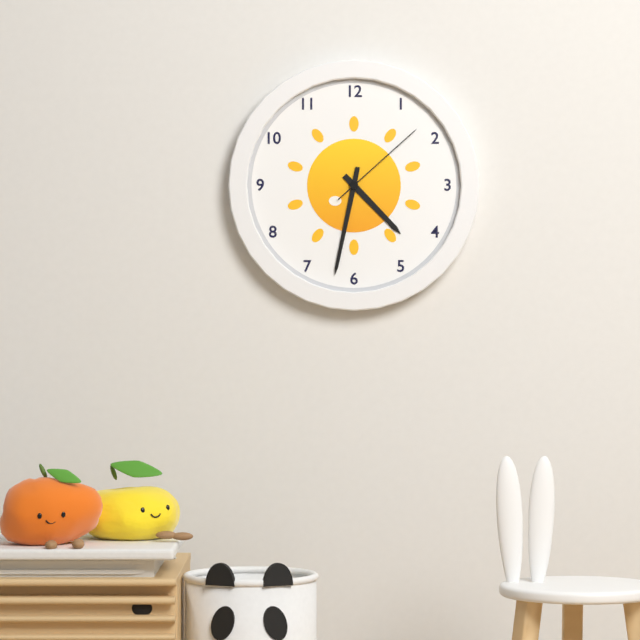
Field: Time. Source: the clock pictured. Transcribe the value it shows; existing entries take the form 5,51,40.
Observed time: 4,32,08
